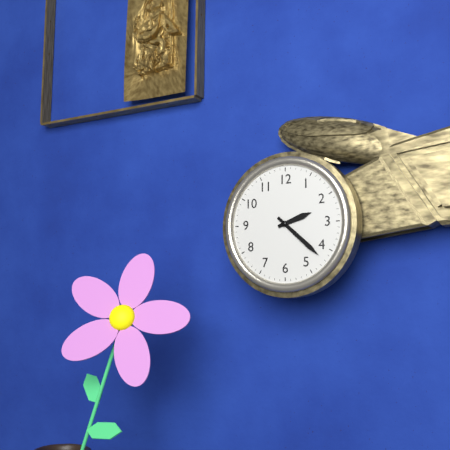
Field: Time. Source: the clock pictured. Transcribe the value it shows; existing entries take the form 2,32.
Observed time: 2,22
